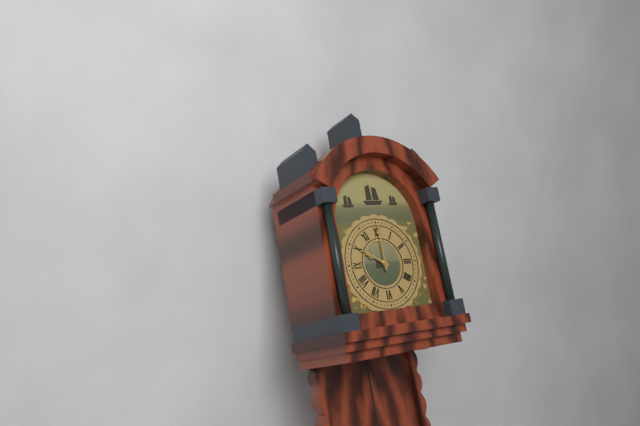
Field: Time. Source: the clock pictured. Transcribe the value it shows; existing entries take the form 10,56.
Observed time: 10,00
